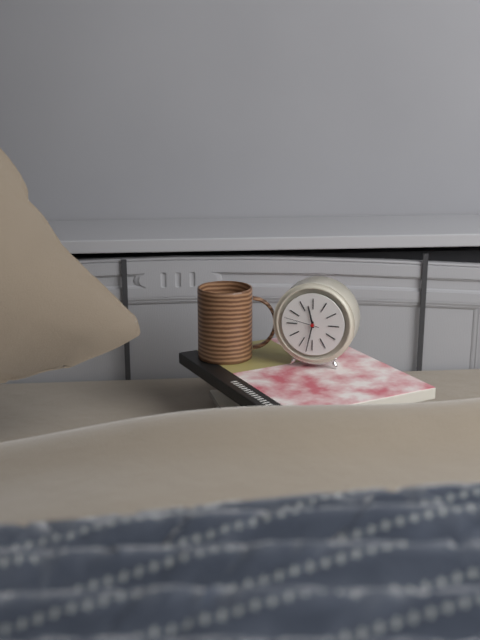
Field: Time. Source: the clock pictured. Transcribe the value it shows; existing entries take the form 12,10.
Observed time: 11,32
